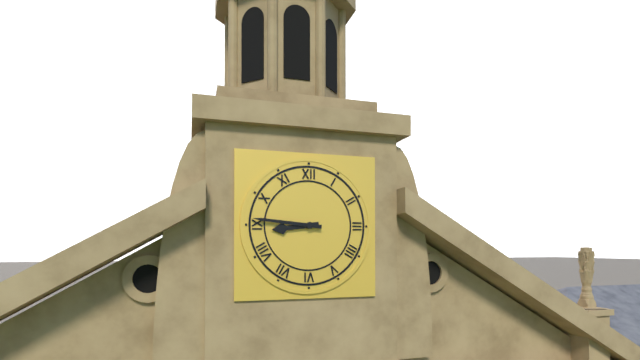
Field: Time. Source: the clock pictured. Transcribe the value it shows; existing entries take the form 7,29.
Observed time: 8,46
